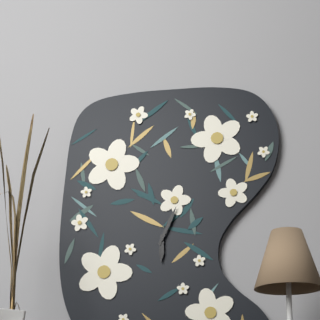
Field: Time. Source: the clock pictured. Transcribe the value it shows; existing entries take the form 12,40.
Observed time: 6,04
